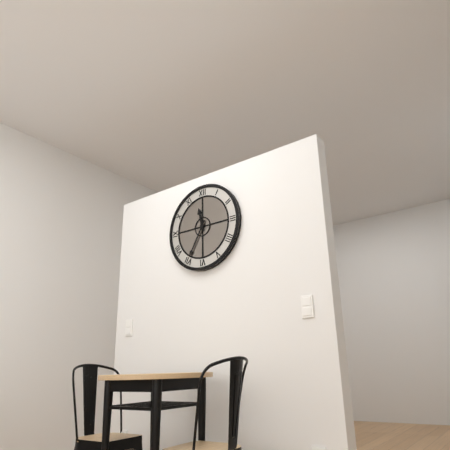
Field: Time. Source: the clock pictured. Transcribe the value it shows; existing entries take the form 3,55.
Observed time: 11,35
